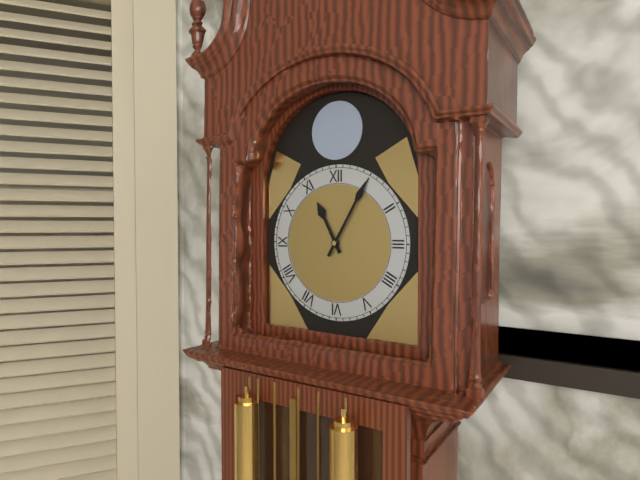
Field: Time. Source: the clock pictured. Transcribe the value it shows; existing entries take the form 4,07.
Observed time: 11,05
